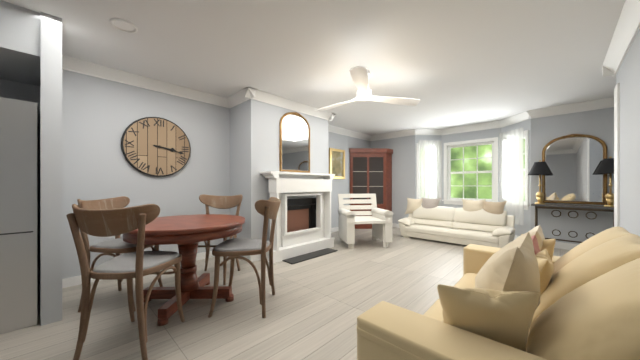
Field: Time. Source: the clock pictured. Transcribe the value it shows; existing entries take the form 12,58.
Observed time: 3,17
